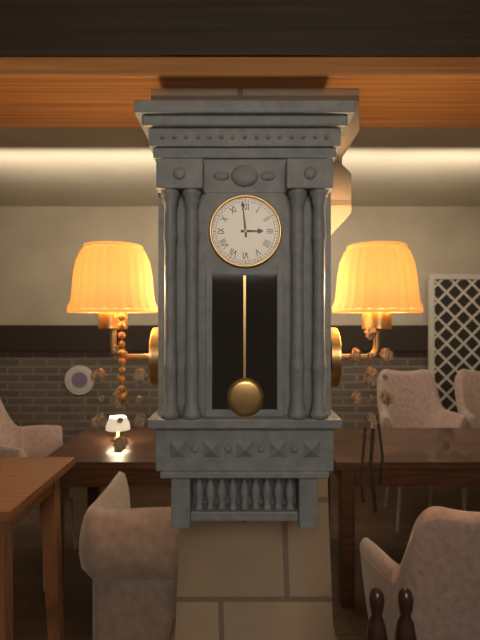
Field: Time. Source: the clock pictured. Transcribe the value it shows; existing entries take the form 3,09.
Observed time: 2,59
